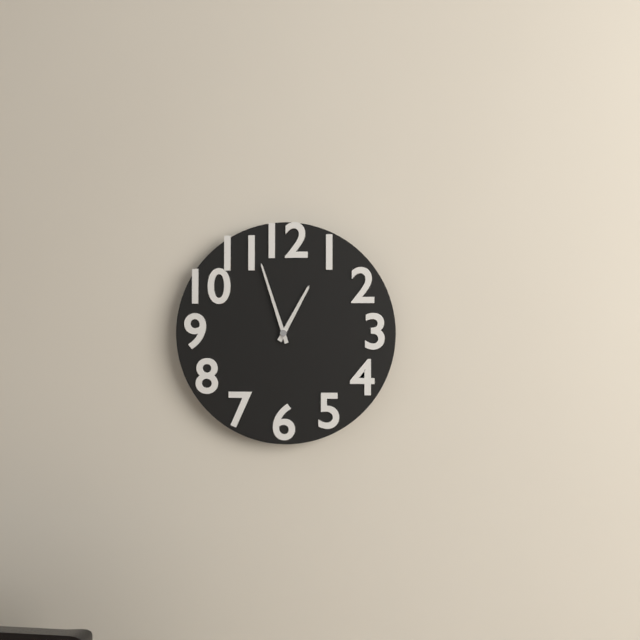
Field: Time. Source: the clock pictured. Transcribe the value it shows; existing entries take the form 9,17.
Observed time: 12,57
